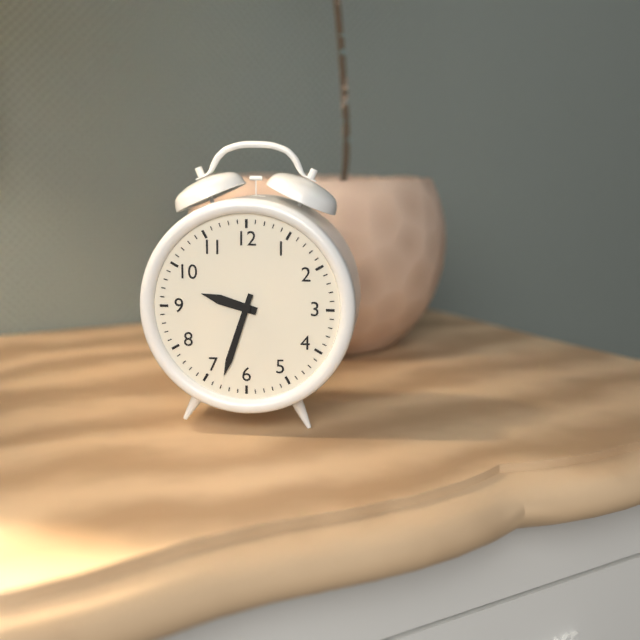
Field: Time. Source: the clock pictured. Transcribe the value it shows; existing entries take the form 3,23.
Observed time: 9,33
